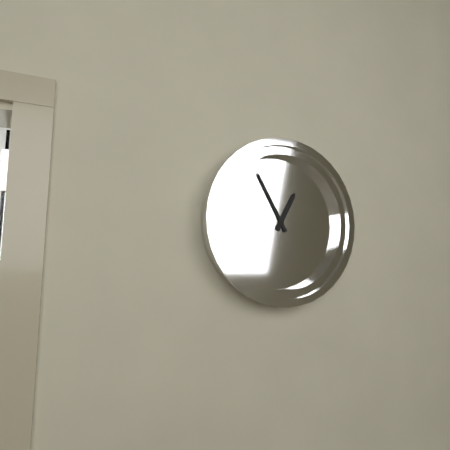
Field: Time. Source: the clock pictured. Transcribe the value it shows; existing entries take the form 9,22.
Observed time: 12,55
